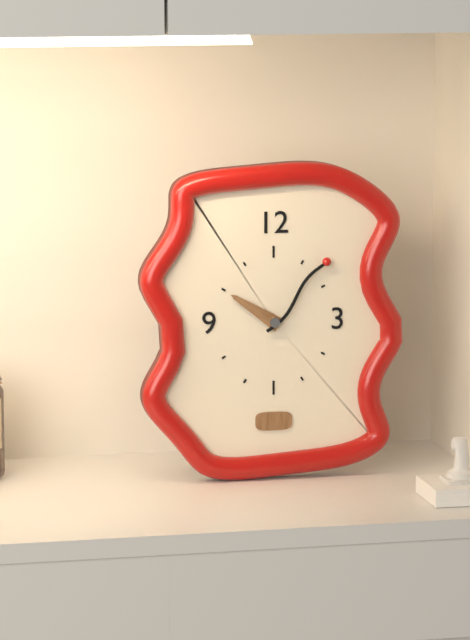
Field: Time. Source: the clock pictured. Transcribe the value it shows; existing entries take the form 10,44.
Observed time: 10,07
